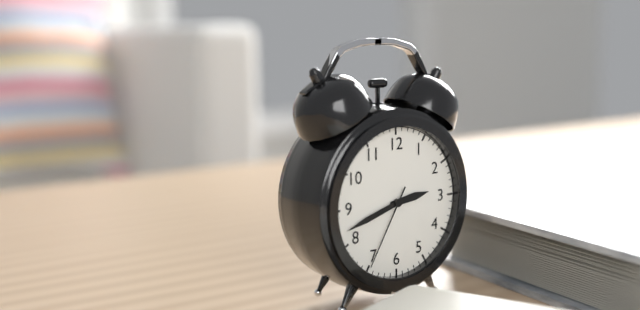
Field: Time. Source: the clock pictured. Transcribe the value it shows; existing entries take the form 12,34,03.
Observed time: 2,42,35
